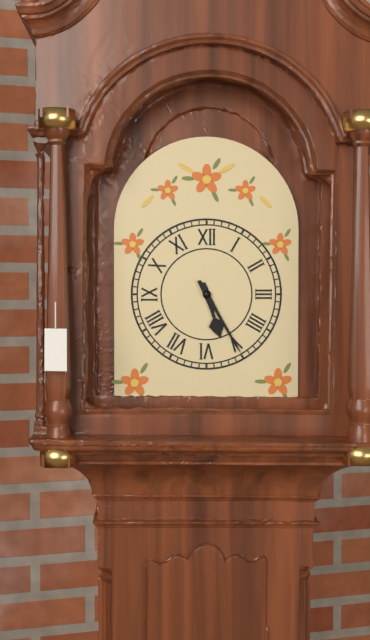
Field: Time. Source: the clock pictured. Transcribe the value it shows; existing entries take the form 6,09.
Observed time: 5,25
